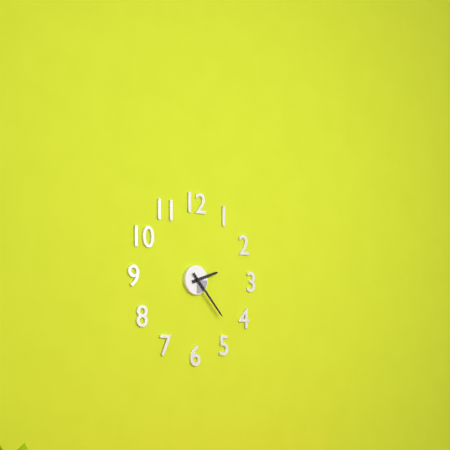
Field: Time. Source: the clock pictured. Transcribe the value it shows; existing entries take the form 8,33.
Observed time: 2,23
